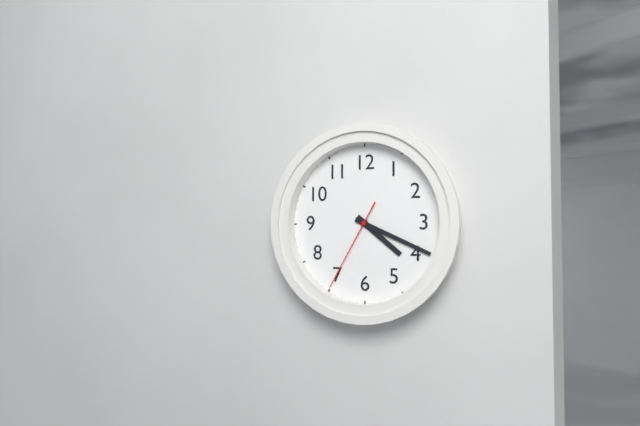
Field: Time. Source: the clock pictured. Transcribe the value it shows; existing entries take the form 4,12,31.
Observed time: 4,19,35
